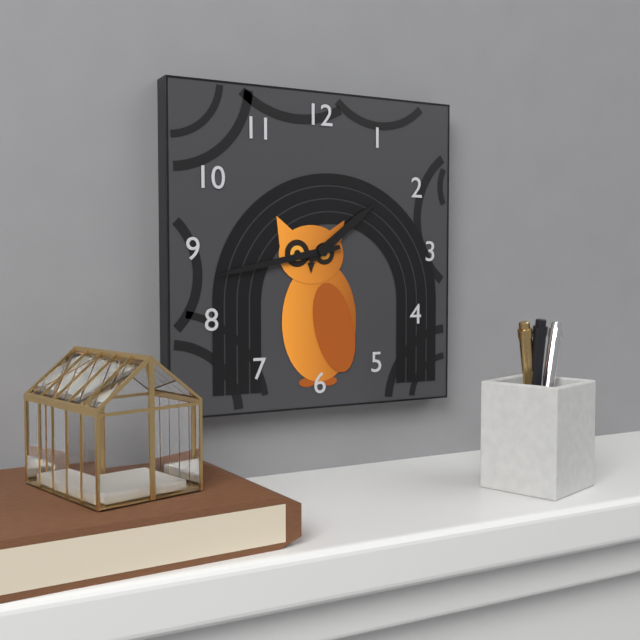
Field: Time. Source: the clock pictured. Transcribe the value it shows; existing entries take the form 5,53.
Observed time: 1,43
